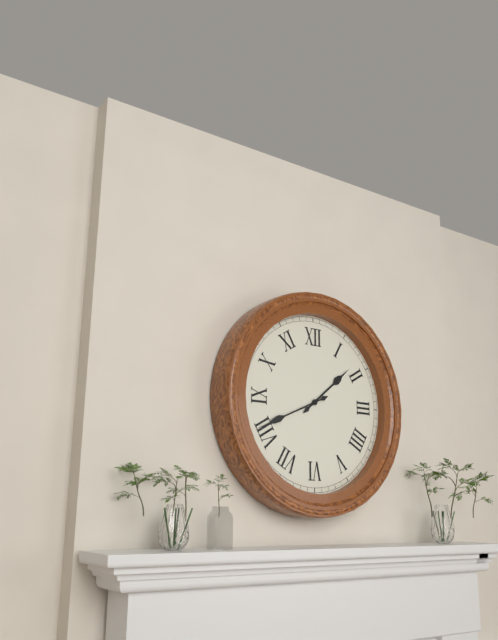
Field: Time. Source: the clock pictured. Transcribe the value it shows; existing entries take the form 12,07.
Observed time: 1,41
